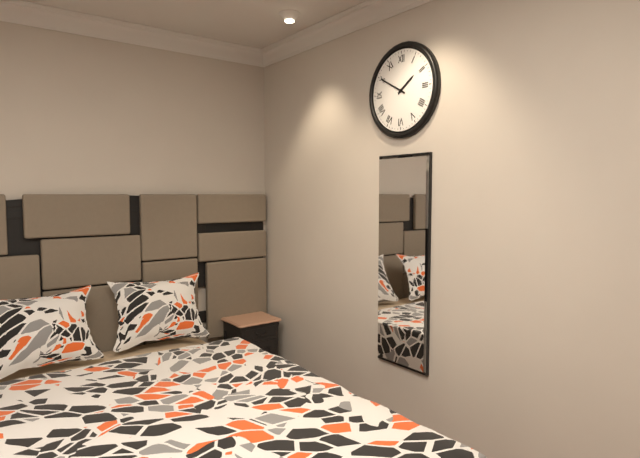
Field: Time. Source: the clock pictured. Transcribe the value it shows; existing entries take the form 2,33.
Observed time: 1,50
